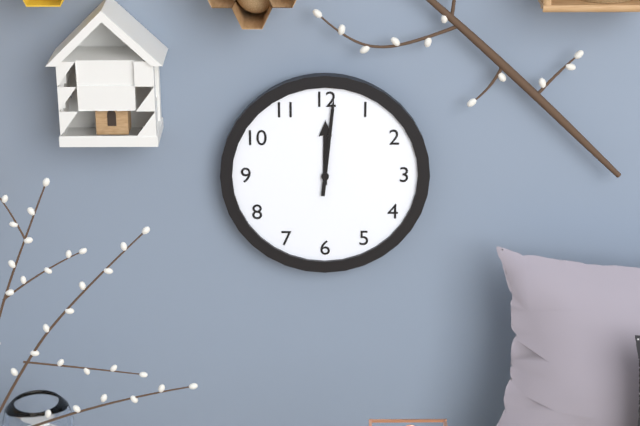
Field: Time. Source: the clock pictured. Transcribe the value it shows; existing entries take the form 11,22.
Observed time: 12,01
